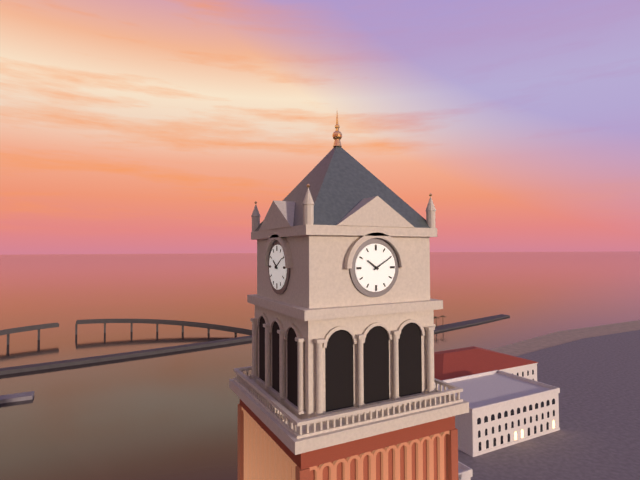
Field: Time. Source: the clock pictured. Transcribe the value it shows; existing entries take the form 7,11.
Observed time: 10,10
